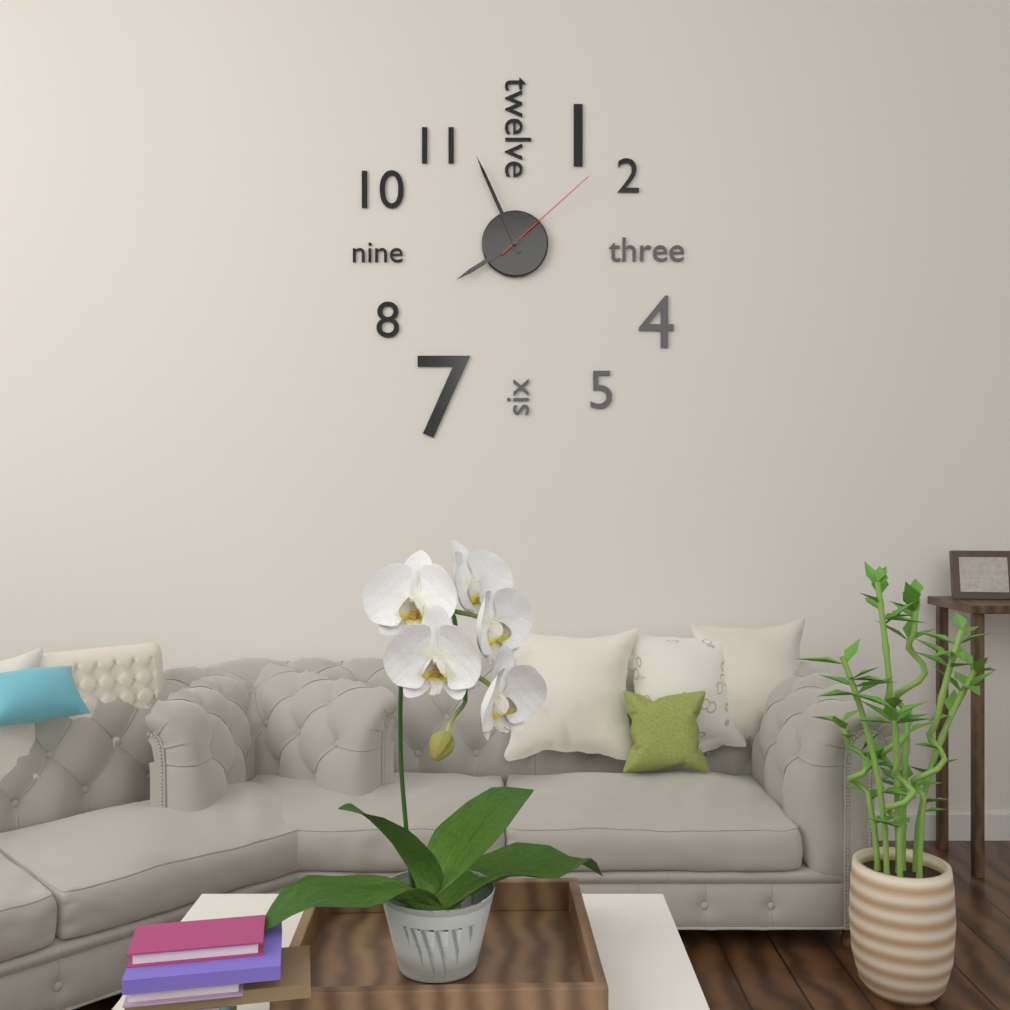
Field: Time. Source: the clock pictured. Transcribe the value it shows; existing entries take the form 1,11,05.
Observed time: 7,56,08
